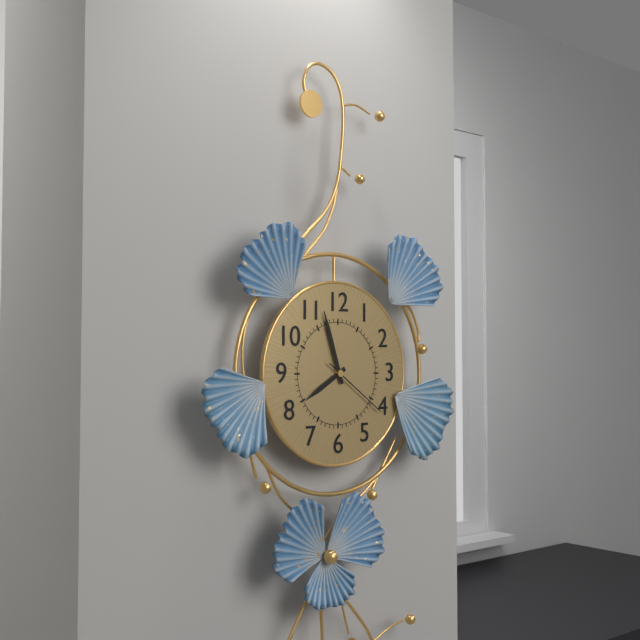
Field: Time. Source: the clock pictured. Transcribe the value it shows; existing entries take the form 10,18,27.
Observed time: 7,57,21
